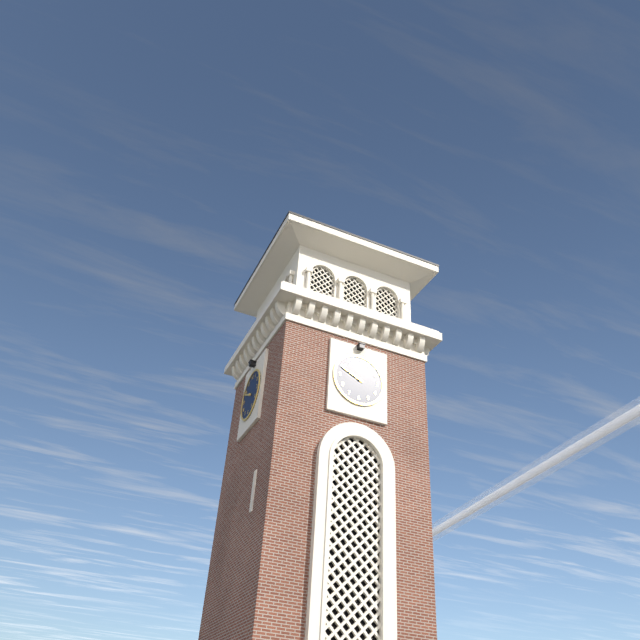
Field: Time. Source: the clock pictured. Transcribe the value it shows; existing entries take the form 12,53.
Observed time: 9,49
